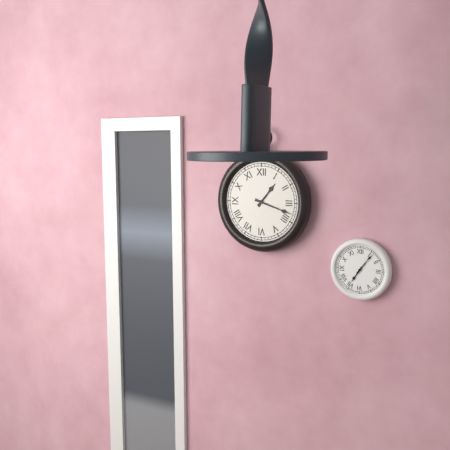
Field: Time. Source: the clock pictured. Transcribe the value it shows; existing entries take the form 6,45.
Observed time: 1,18
